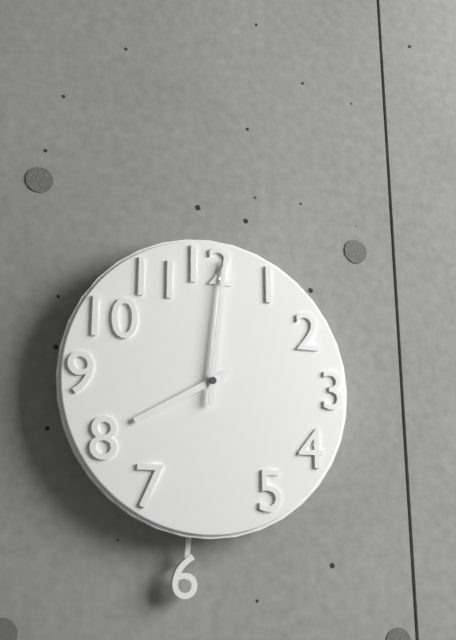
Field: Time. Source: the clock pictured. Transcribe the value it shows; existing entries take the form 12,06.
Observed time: 8,01
